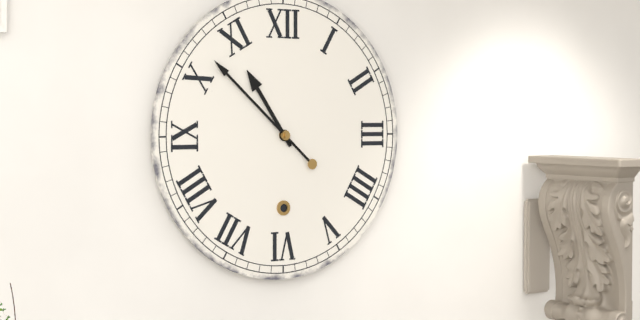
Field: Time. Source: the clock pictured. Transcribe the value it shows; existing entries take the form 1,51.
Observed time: 10,52
